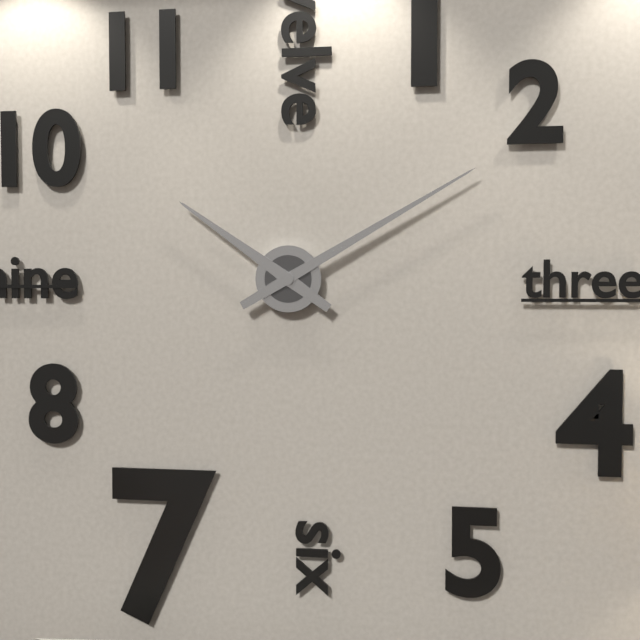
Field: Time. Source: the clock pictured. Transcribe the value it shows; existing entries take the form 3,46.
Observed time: 10,10
